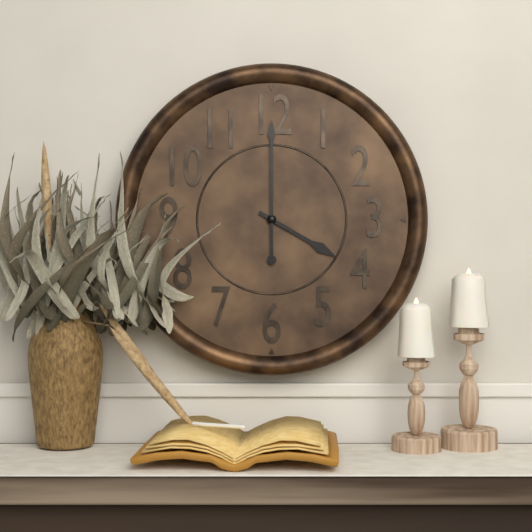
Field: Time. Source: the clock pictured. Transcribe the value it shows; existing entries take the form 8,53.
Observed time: 4,00
